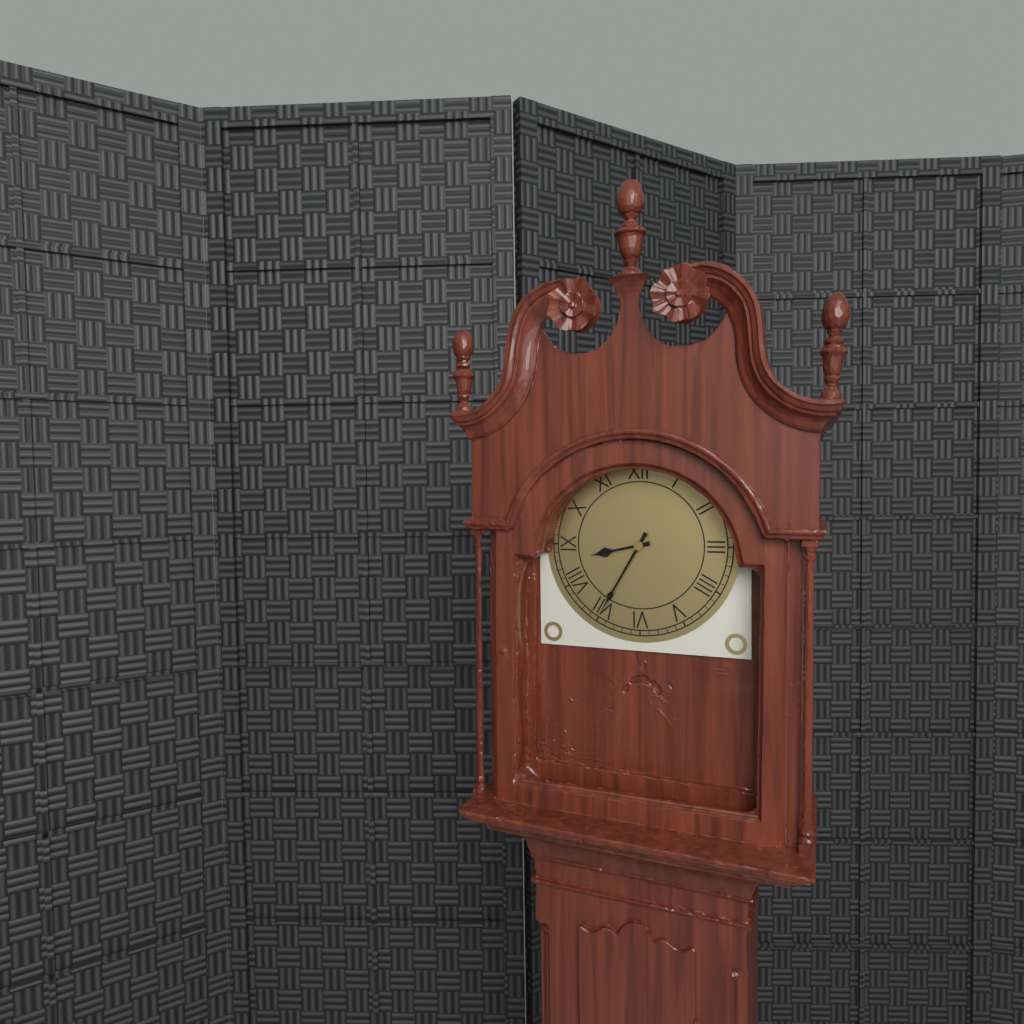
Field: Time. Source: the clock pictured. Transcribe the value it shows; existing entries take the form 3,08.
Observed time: 8,35
